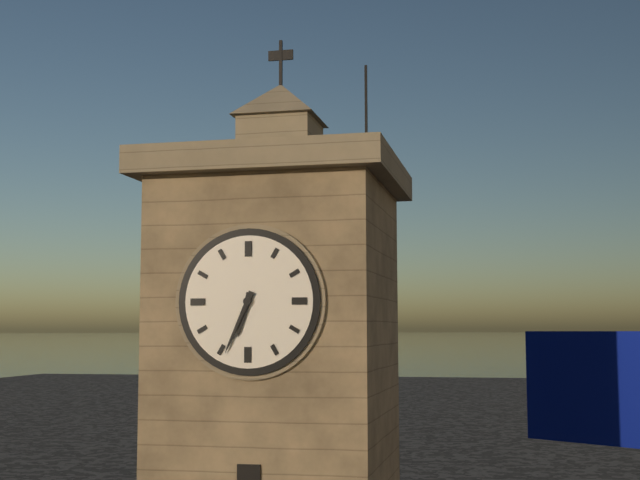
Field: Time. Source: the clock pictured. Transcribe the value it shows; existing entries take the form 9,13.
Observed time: 6,34
